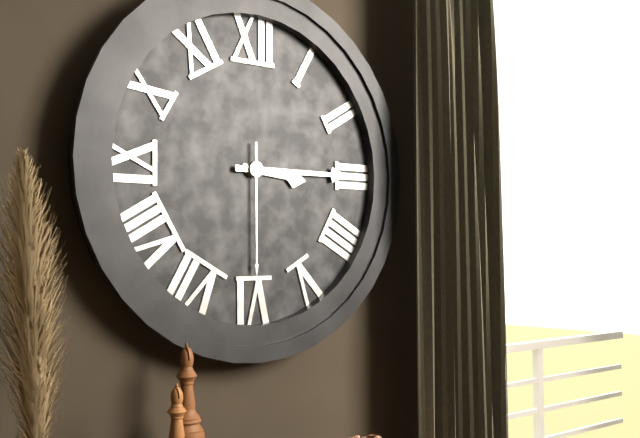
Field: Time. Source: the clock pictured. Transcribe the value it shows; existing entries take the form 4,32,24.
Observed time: 3,15,30
